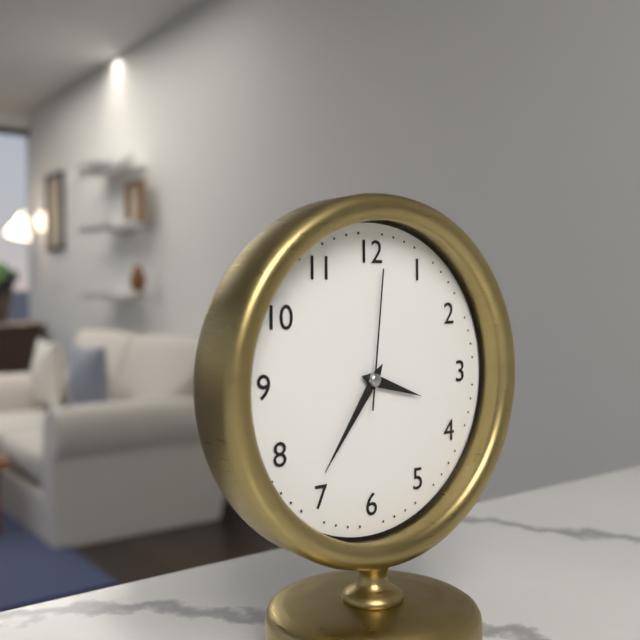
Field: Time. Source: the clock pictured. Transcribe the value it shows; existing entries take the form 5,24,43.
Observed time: 3,36,01
